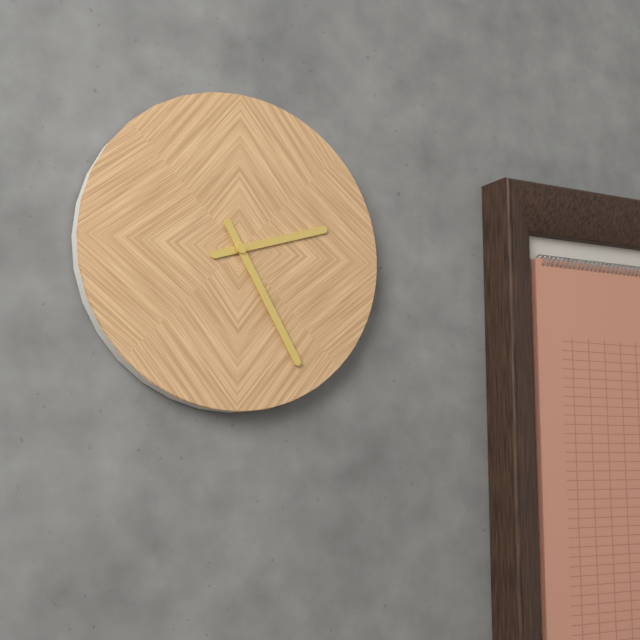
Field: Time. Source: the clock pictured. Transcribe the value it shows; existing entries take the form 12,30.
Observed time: 2,25
